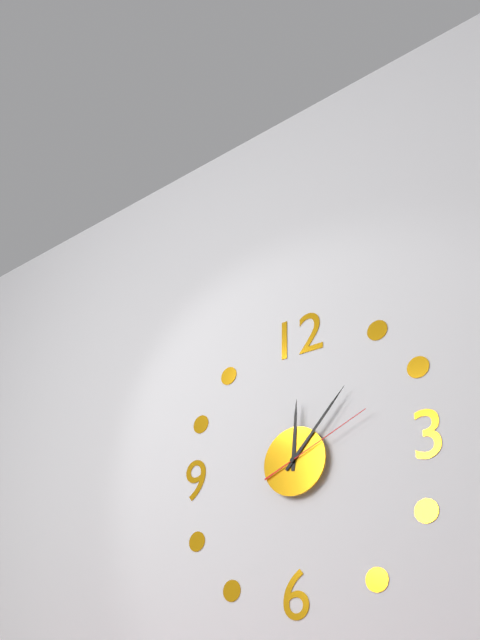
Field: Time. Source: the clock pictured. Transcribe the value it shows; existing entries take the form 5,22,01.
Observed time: 12,07,11
